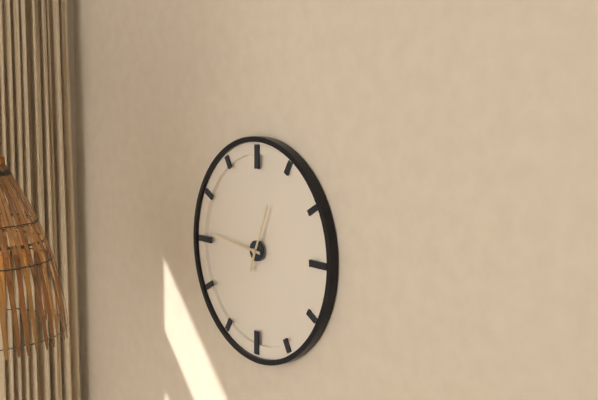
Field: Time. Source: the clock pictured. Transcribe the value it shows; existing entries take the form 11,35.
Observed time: 12,46
